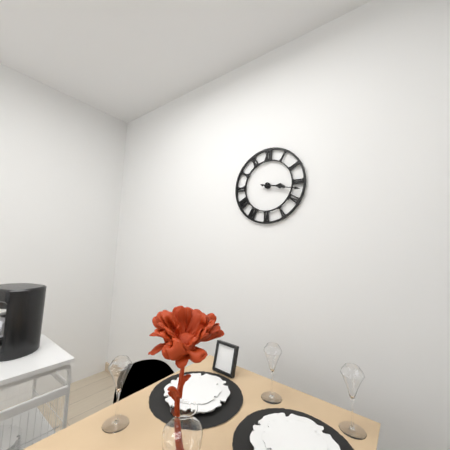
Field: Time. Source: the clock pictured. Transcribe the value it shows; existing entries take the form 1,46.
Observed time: 3,17
